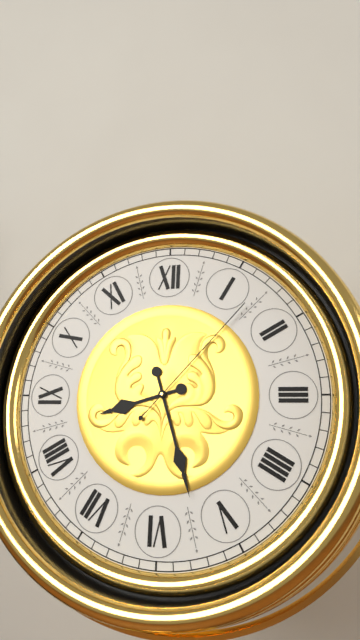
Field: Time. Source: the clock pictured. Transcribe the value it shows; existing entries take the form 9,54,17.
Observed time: 8,27,07
